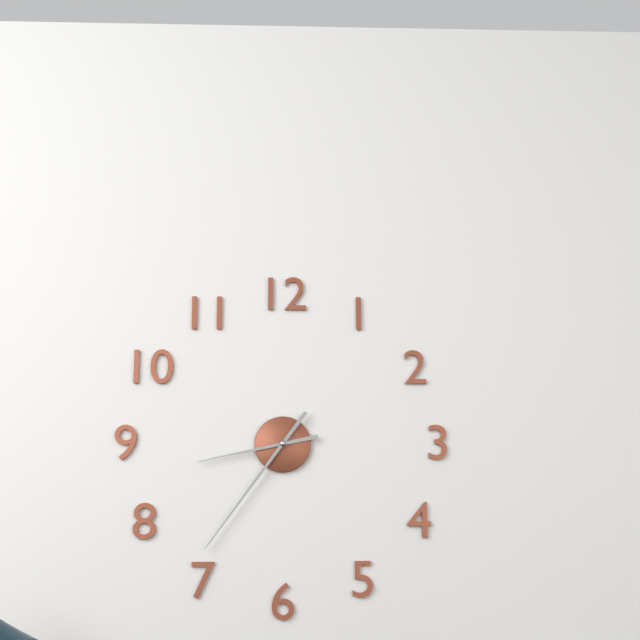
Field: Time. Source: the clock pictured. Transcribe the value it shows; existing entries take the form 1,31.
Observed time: 8,36
